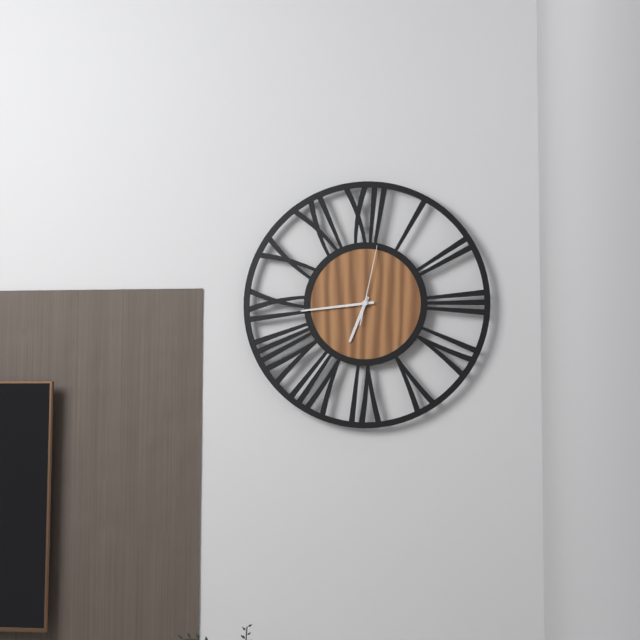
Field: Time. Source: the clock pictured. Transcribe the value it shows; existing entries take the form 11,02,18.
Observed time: 6,44,02
